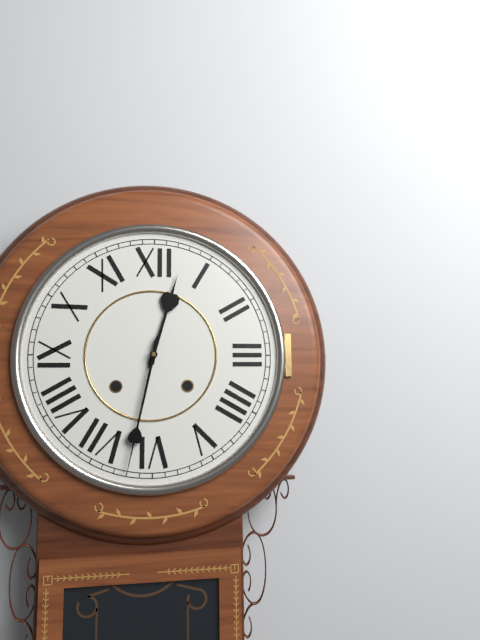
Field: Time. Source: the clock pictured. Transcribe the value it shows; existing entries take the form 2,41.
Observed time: 12,32
